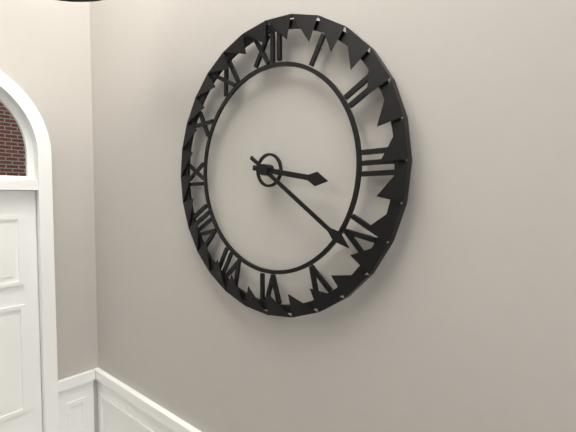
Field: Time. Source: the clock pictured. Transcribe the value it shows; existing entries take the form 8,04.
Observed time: 3,21
